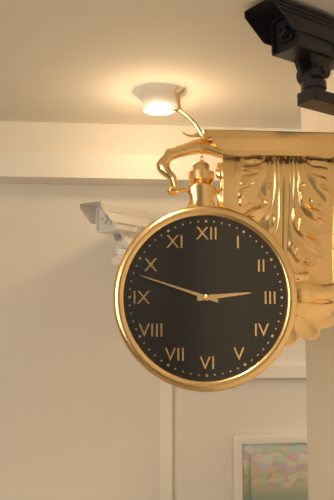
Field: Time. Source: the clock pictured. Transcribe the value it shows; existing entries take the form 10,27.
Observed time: 2,48
